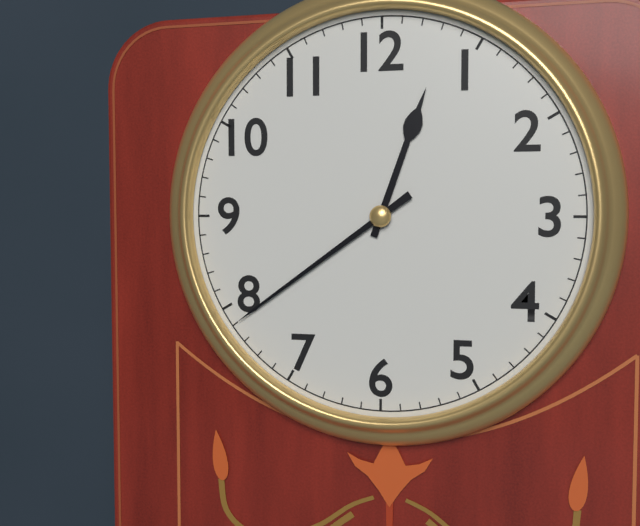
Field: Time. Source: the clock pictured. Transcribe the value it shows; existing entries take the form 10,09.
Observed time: 12,39
